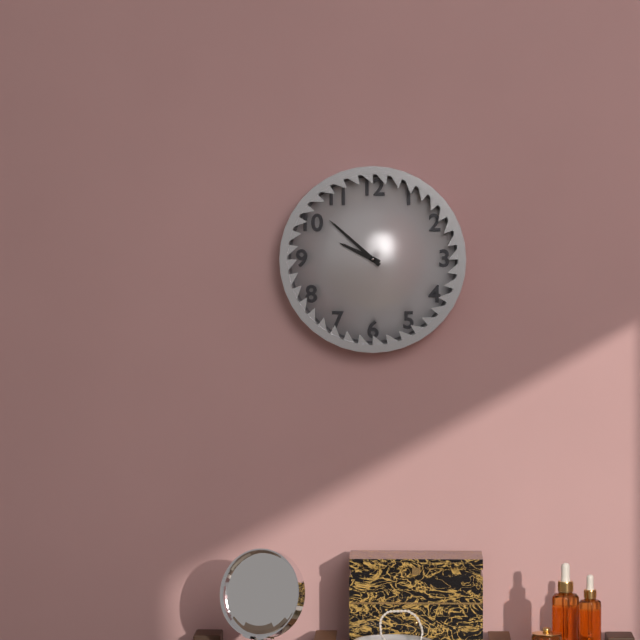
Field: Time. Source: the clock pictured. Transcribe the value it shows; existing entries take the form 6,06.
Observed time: 9,52
